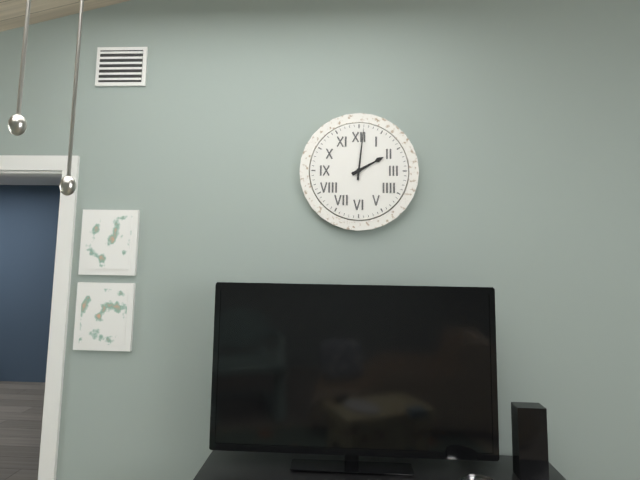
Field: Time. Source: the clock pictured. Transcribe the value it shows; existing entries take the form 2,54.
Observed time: 2,01
